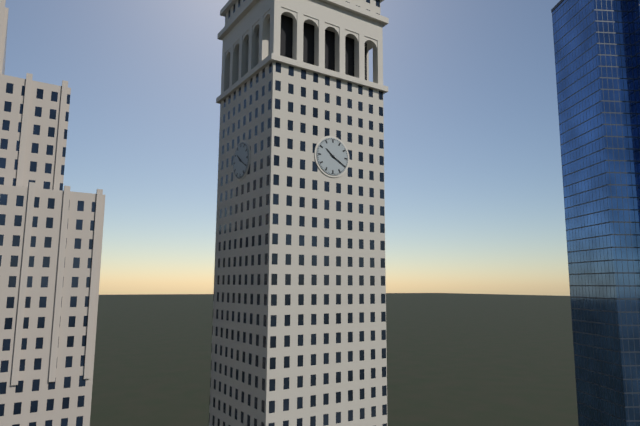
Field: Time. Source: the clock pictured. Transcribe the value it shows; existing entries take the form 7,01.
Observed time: 10,20
